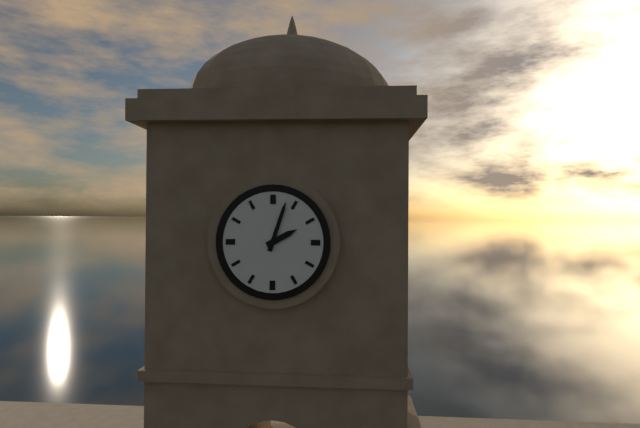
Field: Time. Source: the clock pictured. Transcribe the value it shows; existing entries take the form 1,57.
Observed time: 2,03
